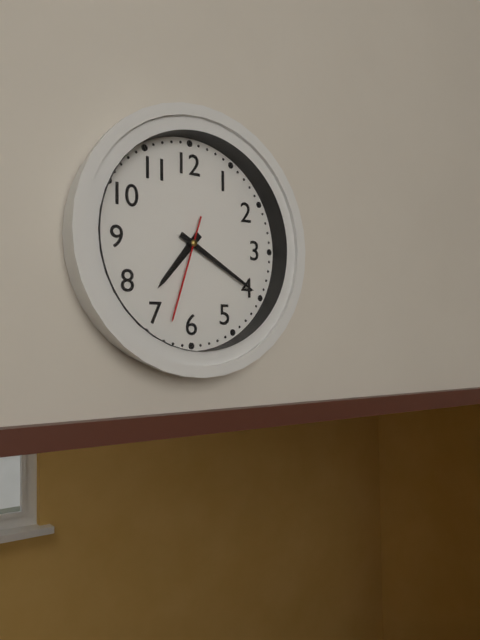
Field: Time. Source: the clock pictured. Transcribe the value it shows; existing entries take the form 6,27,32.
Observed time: 7,20,33
